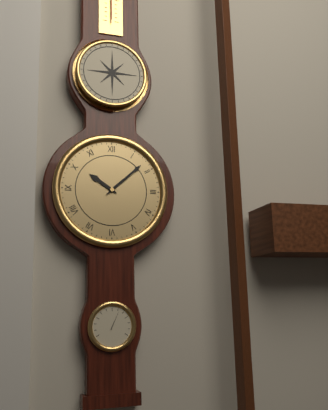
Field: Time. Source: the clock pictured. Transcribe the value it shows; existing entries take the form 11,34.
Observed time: 10,08
